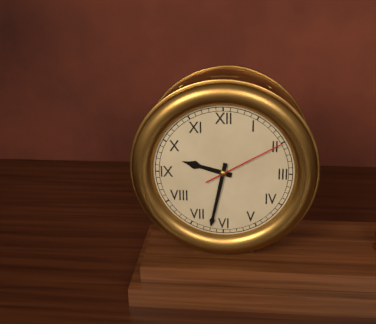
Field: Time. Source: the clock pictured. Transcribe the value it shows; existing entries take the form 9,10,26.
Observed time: 9,32,10
